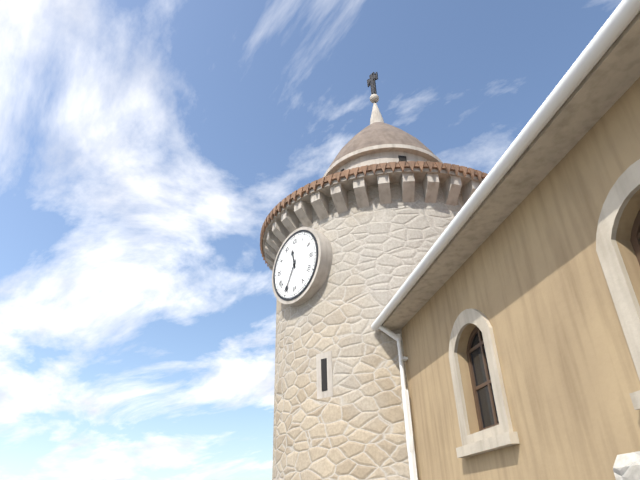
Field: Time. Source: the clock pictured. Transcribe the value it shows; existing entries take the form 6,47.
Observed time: 11,35
